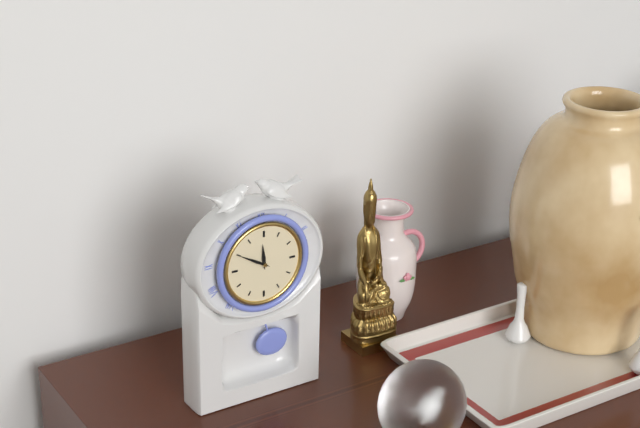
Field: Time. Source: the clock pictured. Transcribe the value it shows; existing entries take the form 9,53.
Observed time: 11,50
